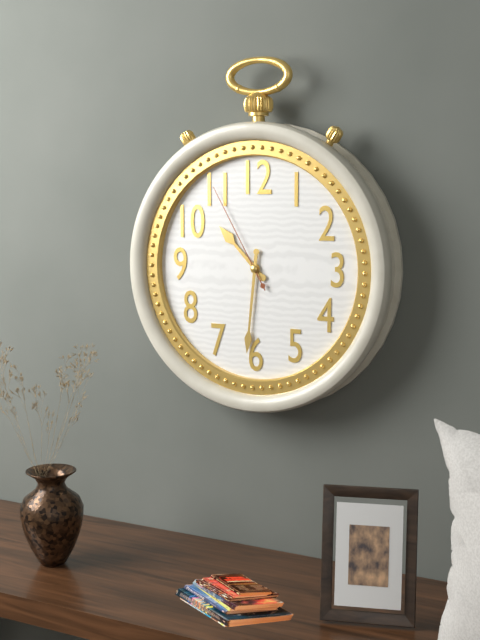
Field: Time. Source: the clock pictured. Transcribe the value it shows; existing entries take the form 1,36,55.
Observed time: 10,31,55
